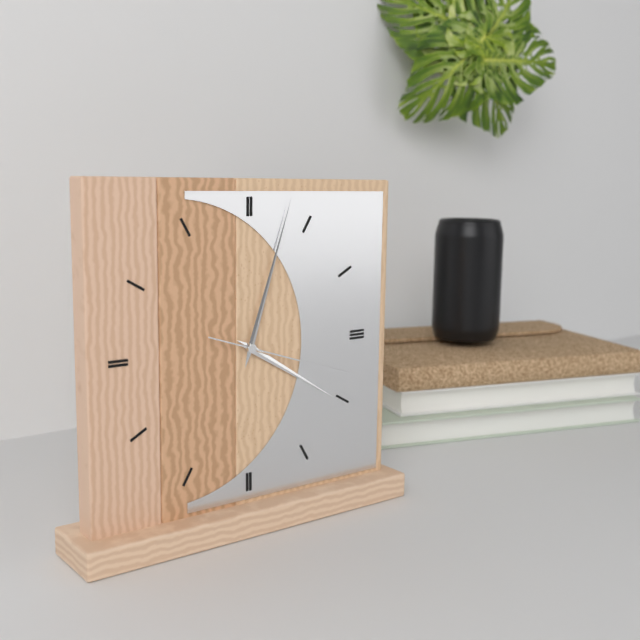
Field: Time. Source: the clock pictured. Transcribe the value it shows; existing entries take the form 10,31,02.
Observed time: 4,03,18
